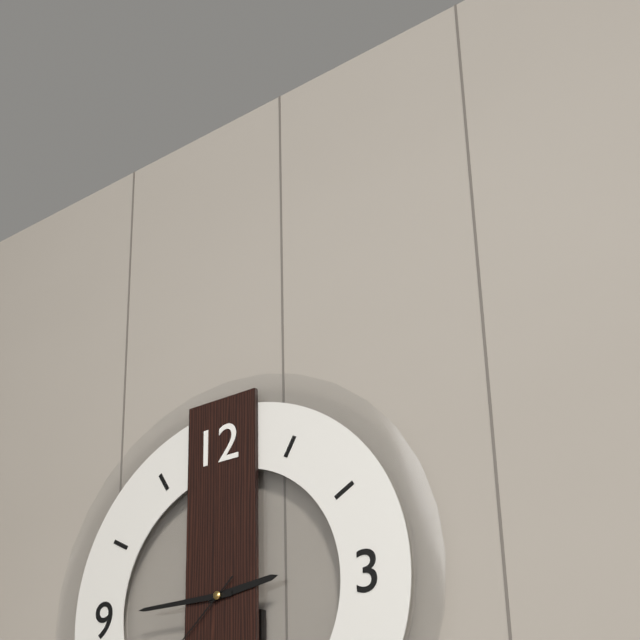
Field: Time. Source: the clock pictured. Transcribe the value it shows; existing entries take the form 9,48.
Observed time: 2,45
